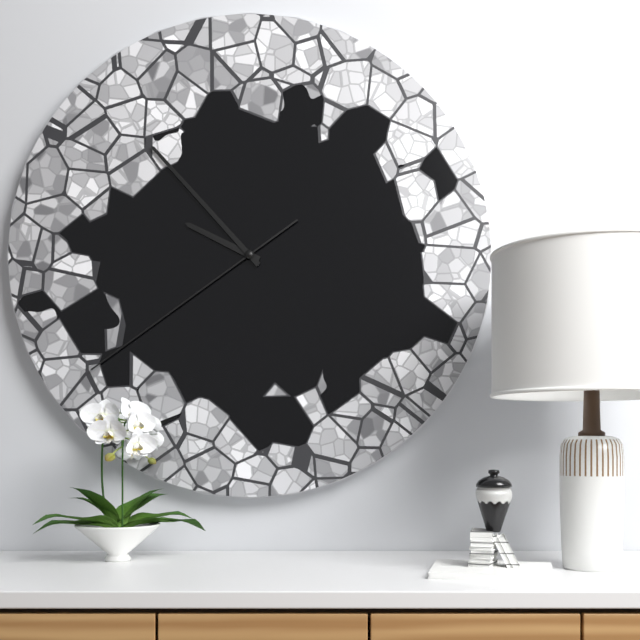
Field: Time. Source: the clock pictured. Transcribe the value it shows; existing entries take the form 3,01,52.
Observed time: 9,53,39
